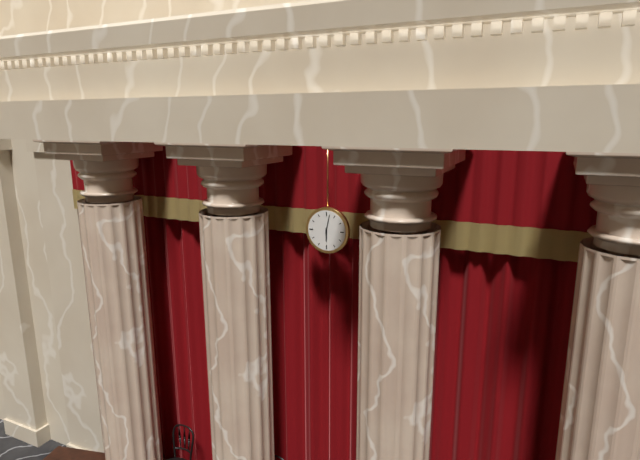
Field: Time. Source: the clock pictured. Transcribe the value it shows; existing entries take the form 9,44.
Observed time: 6,02
